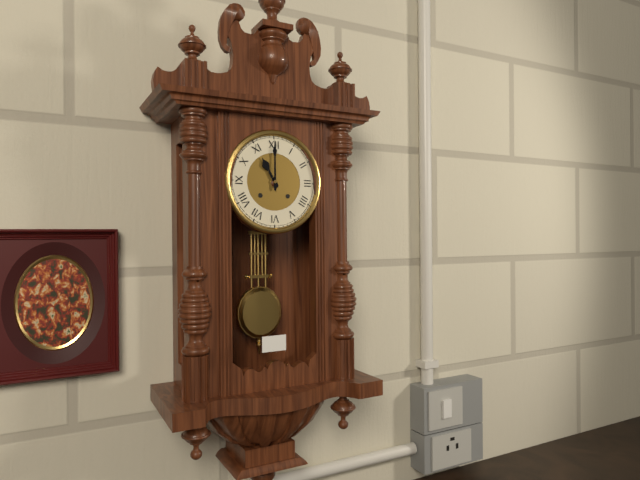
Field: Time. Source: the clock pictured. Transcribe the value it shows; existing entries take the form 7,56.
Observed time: 11,00
